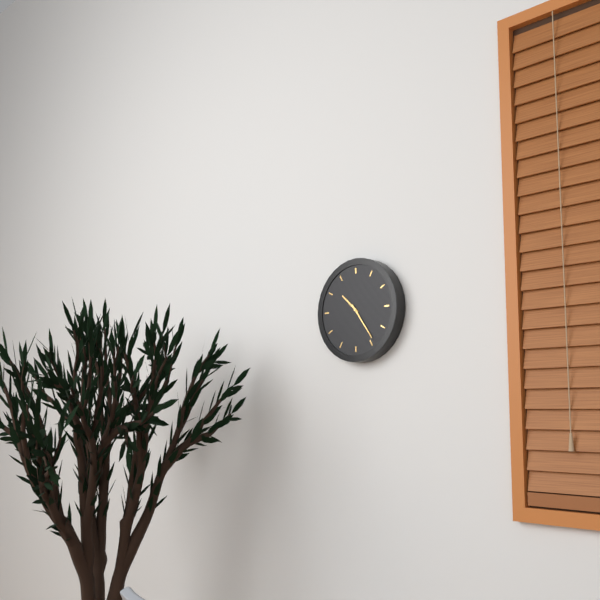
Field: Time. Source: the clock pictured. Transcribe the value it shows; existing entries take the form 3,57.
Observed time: 10,24
